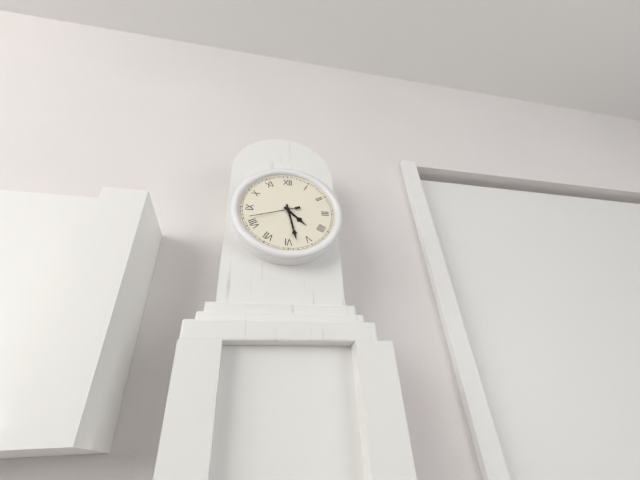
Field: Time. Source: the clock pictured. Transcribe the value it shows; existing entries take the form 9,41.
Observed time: 4,28
